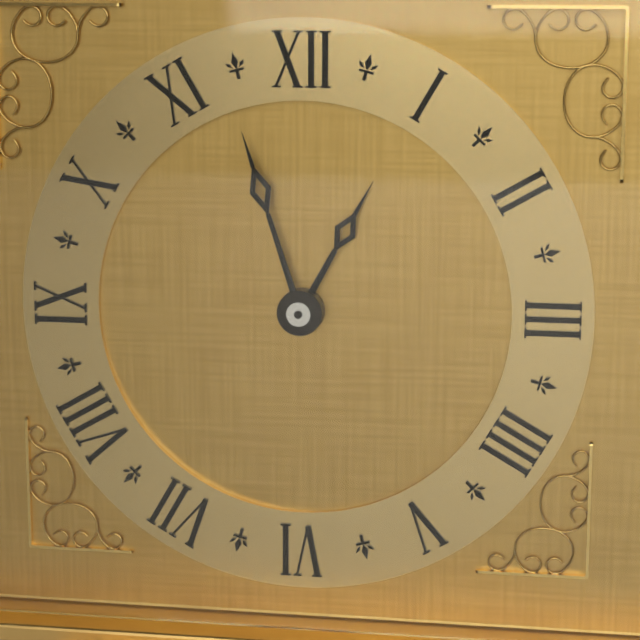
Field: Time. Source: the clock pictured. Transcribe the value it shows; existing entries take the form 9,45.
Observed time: 12,57
